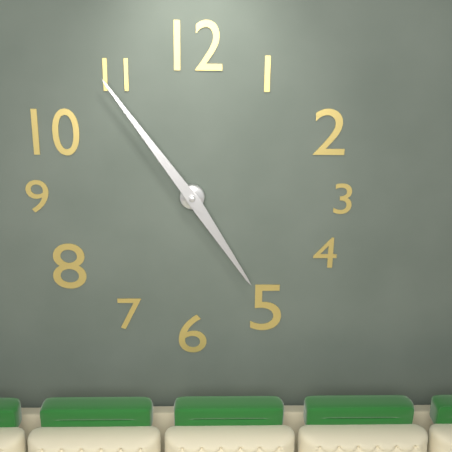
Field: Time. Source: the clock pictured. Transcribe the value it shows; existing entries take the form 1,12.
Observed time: 4,54
